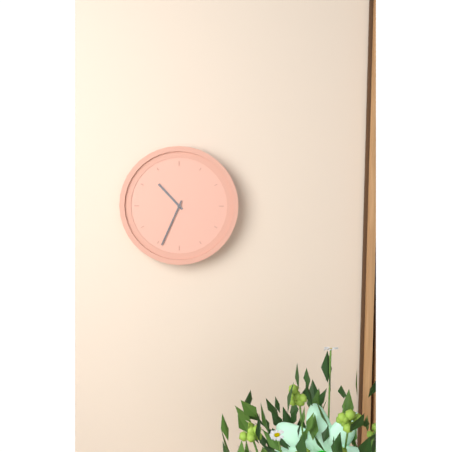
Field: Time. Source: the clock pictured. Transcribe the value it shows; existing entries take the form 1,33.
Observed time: 10,34
